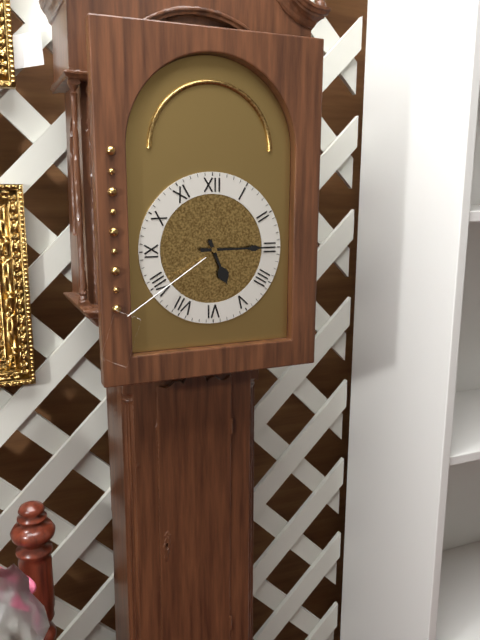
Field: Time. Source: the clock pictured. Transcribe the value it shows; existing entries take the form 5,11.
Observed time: 5,15
